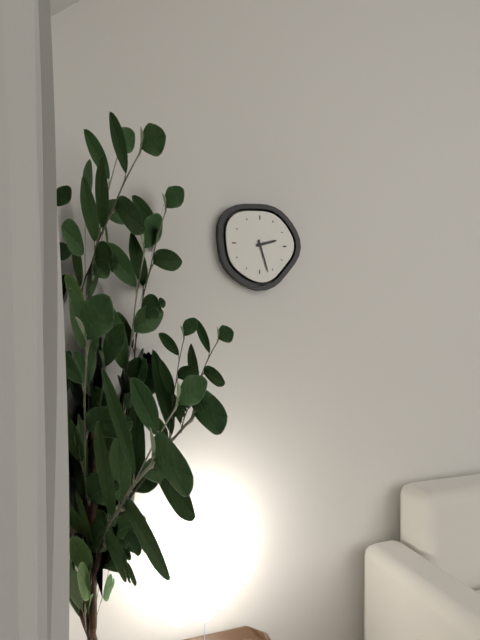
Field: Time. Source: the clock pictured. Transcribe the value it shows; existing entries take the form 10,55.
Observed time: 2,27
